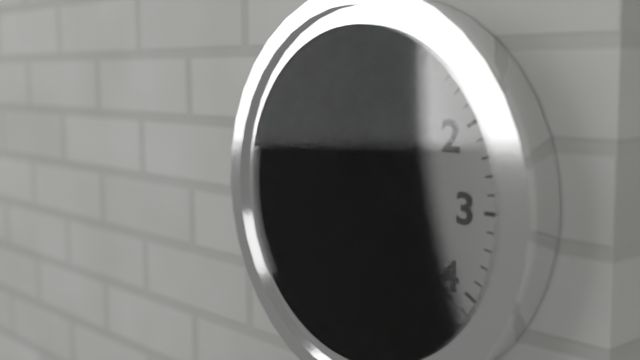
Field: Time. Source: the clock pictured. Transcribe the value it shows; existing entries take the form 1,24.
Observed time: 7,21
